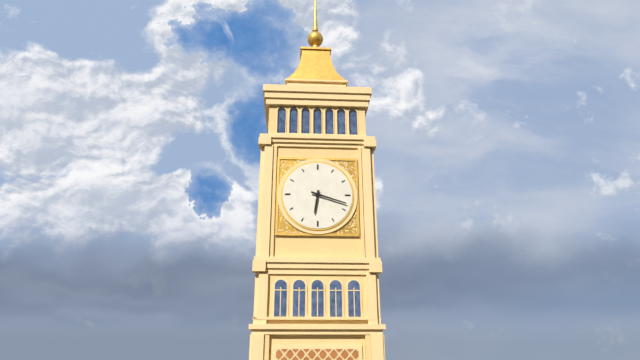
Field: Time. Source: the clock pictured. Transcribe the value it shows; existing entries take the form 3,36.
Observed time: 6,18
